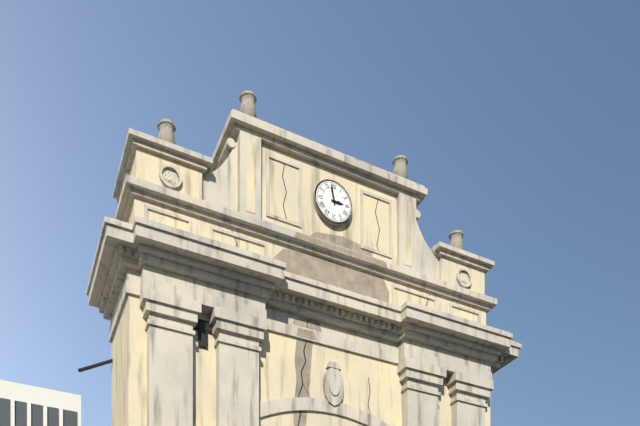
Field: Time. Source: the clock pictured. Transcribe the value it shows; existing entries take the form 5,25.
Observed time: 2,58
